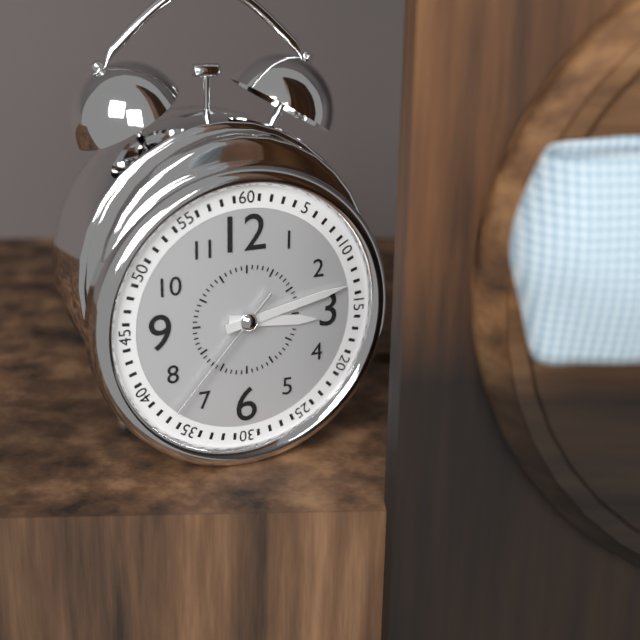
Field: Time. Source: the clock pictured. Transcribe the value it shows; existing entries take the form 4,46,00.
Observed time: 3,13,37
